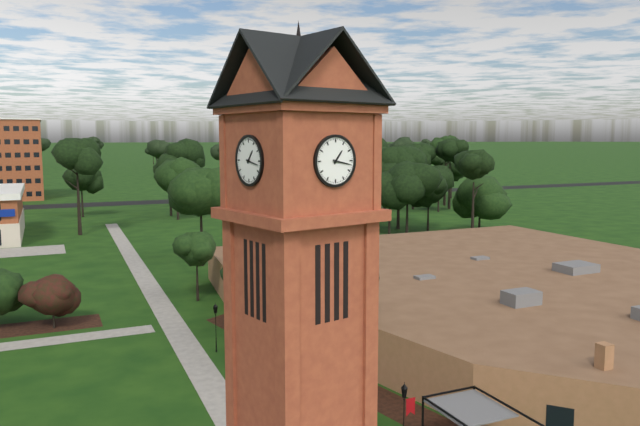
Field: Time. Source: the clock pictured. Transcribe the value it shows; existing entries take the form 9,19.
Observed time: 1,17
